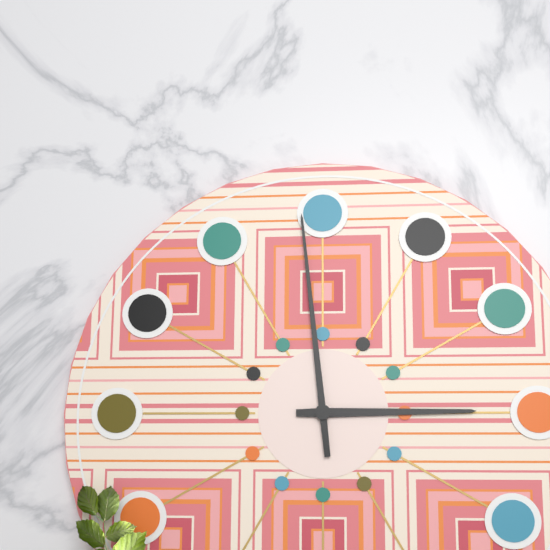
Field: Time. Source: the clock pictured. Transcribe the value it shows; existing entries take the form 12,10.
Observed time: 2,59
